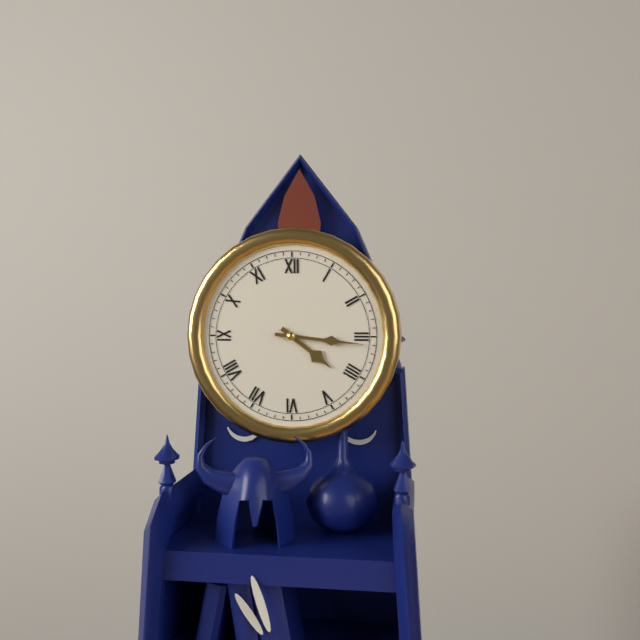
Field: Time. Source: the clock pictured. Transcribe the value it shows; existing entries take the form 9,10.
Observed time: 4,16
